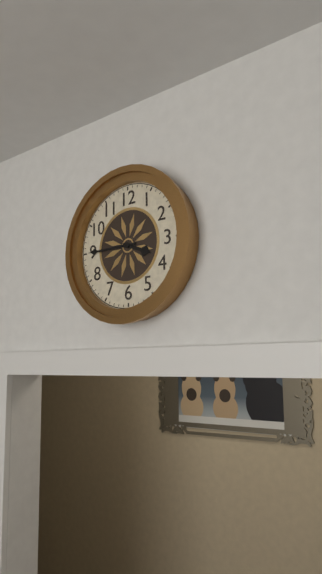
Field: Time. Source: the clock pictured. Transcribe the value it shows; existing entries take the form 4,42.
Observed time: 3,45
